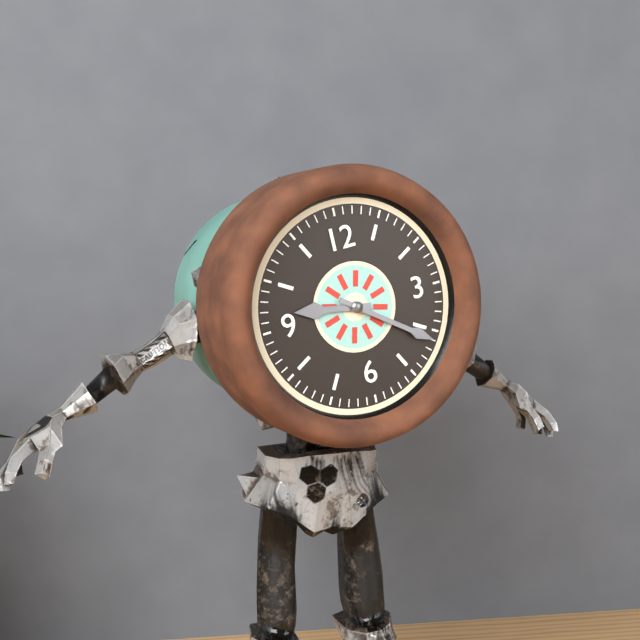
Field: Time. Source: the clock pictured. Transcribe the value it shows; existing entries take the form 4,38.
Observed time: 9,21
